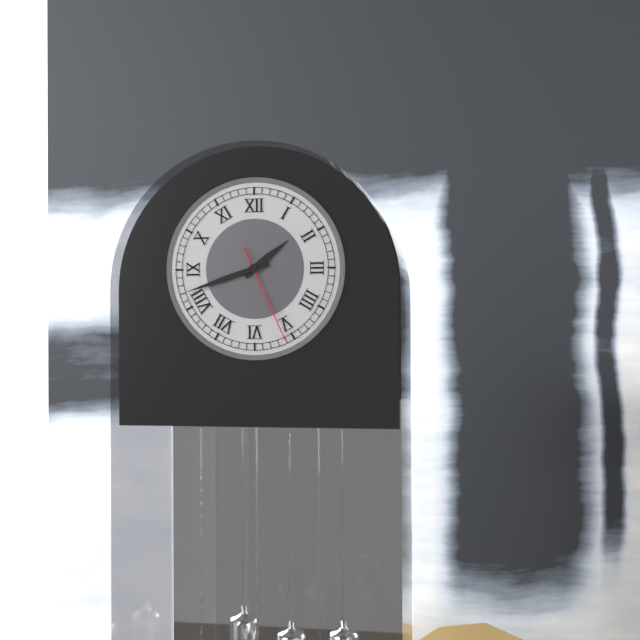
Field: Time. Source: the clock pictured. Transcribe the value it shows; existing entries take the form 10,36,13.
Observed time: 1,42,26
